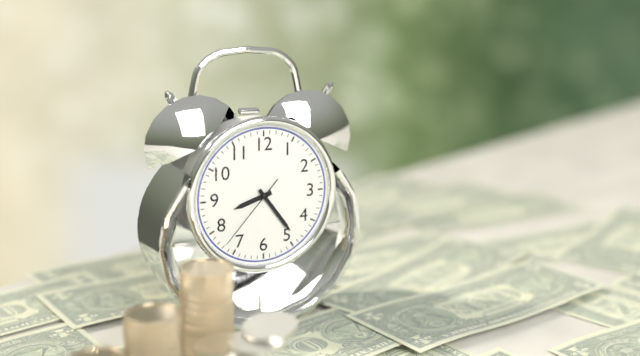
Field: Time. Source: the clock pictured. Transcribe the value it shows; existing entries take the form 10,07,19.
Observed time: 8,24,37
